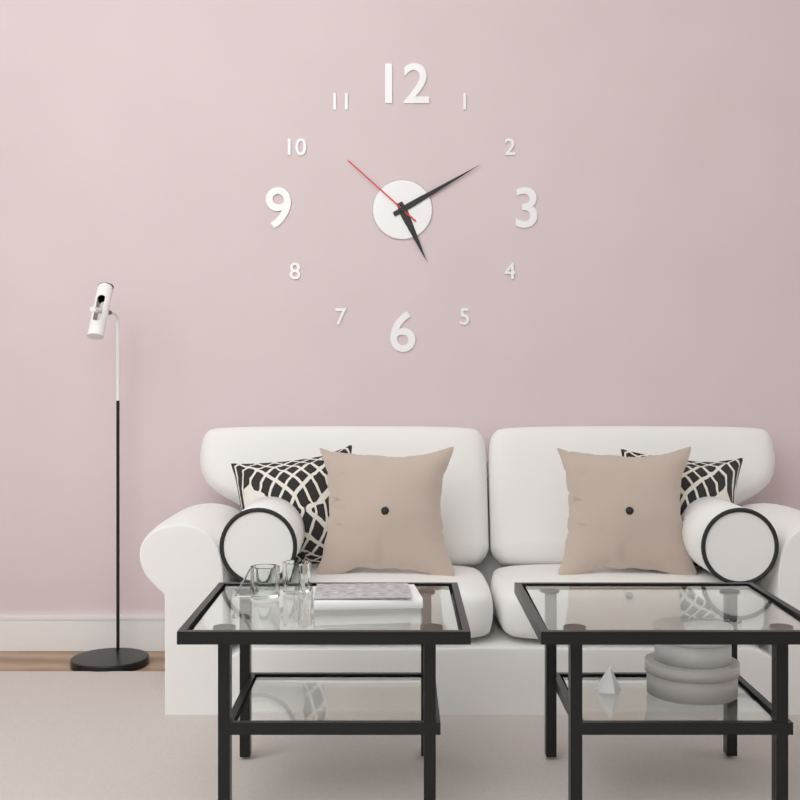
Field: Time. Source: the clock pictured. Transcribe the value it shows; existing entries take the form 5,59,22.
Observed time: 5,10,52
